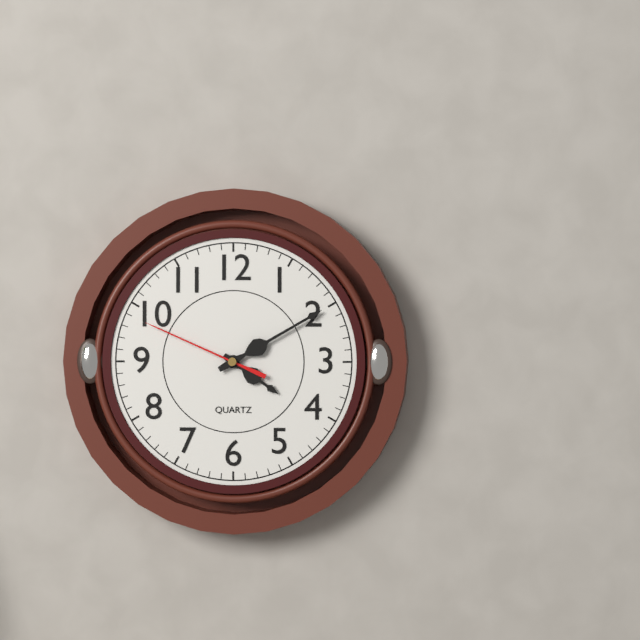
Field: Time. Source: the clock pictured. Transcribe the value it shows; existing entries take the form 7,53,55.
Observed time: 4,10,49
